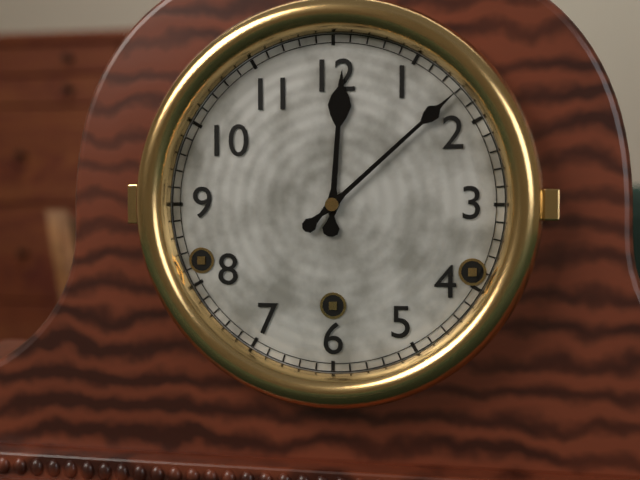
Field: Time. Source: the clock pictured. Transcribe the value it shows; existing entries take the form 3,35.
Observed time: 12,08
